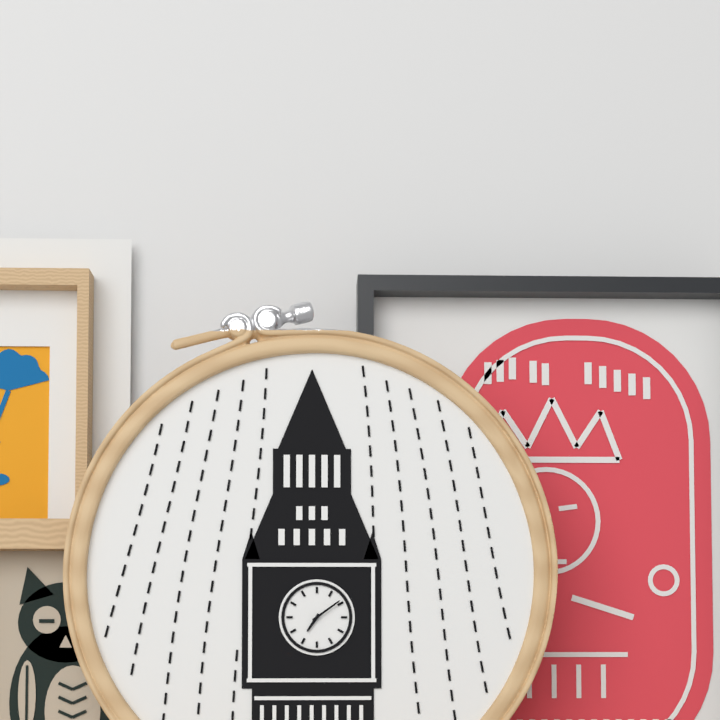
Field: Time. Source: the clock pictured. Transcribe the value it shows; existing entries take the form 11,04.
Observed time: 7,09
